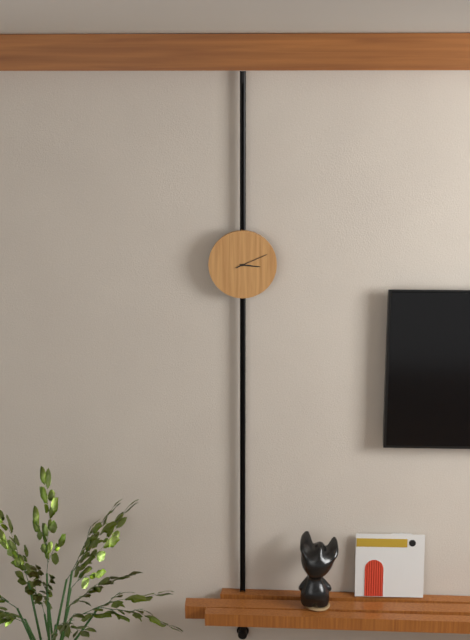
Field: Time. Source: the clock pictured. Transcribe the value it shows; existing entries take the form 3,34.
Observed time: 3,11
